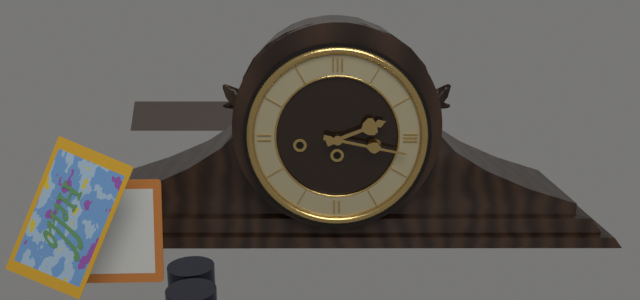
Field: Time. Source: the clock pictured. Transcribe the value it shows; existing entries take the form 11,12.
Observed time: 2,17
